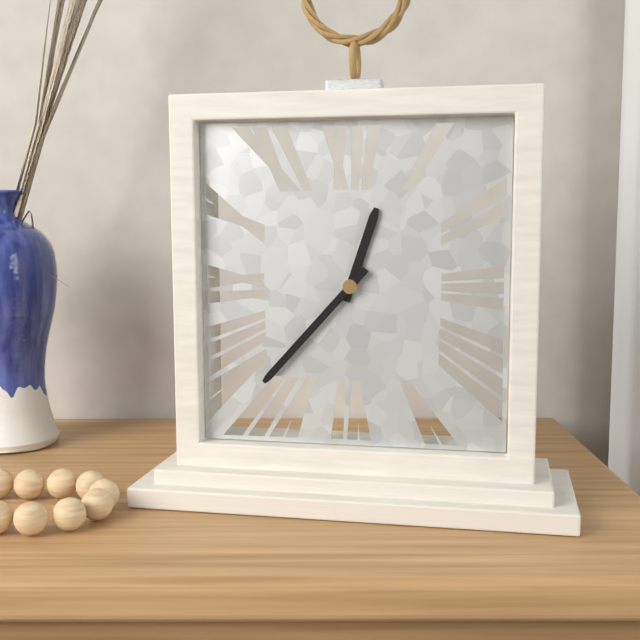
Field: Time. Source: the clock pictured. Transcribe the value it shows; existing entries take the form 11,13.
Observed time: 12,37
